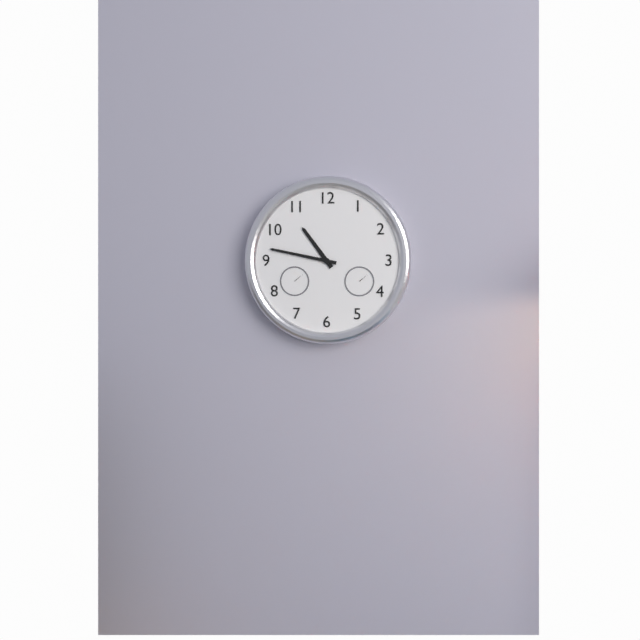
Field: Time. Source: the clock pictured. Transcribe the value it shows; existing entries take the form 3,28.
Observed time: 10,47
